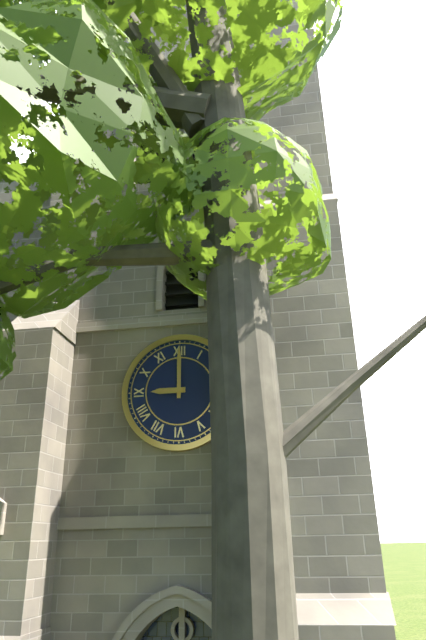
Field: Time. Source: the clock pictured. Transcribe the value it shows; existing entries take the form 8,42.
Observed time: 9,00
